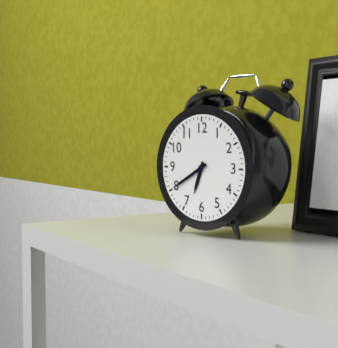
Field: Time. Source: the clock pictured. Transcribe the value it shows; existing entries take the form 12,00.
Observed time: 6,40
